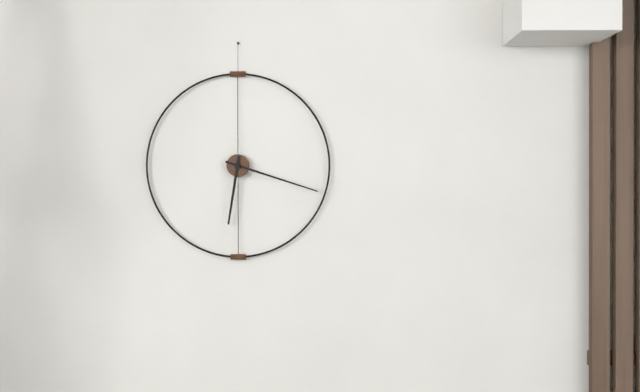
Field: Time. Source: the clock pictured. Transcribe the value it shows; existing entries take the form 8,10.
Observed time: 6,18
